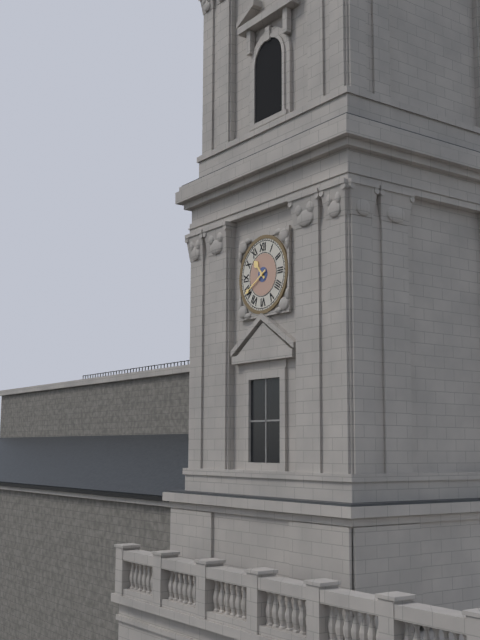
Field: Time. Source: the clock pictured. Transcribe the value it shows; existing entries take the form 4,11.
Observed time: 10,40
